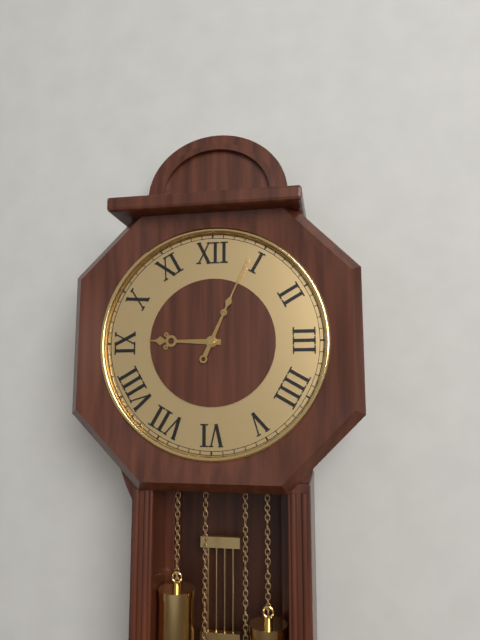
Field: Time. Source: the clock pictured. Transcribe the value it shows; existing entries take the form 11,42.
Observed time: 9,04
